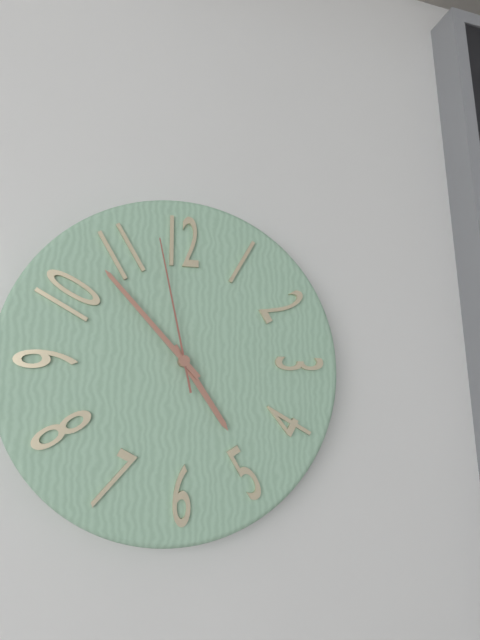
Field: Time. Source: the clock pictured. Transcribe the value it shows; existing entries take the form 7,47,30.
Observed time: 4,53,58
